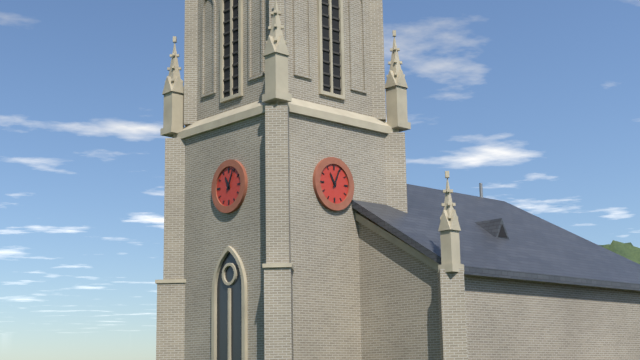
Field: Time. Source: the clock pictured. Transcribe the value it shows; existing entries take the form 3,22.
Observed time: 11,04
